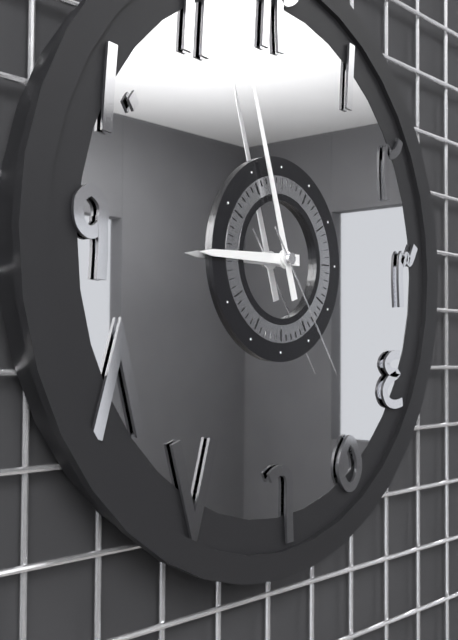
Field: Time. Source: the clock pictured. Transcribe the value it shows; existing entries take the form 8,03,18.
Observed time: 8,57,24
